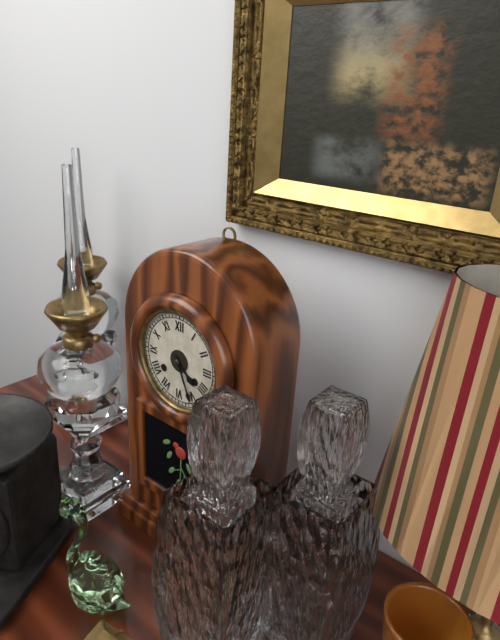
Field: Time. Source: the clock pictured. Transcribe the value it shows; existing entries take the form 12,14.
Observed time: 4,26
